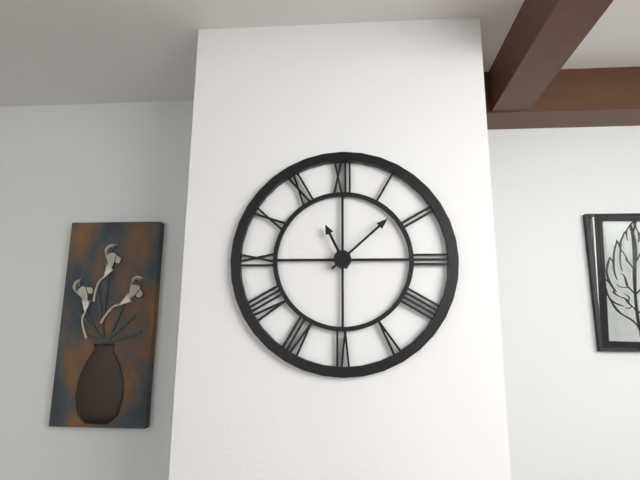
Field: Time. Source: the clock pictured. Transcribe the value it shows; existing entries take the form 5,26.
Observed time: 11,08
